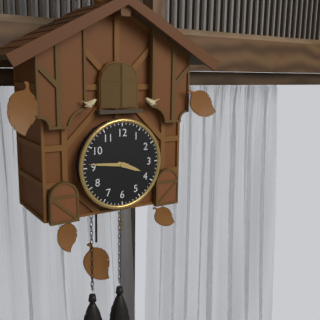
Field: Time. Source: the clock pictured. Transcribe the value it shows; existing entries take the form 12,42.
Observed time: 3,46
